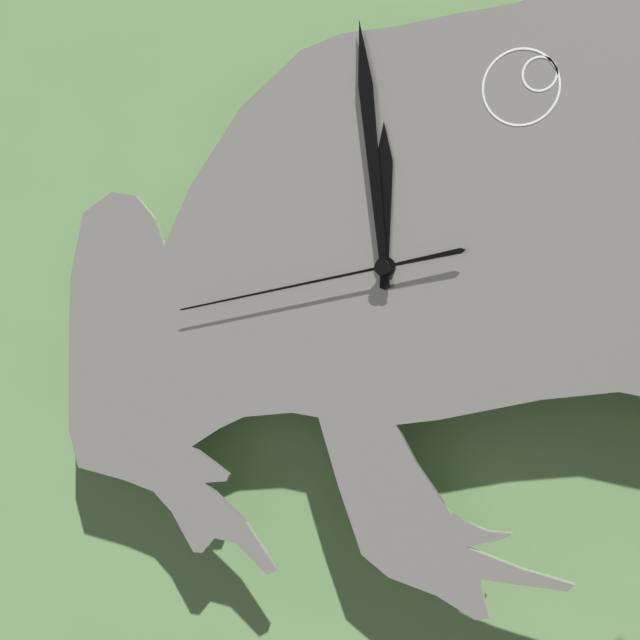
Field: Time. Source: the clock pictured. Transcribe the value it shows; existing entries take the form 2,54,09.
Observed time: 11,59,43
